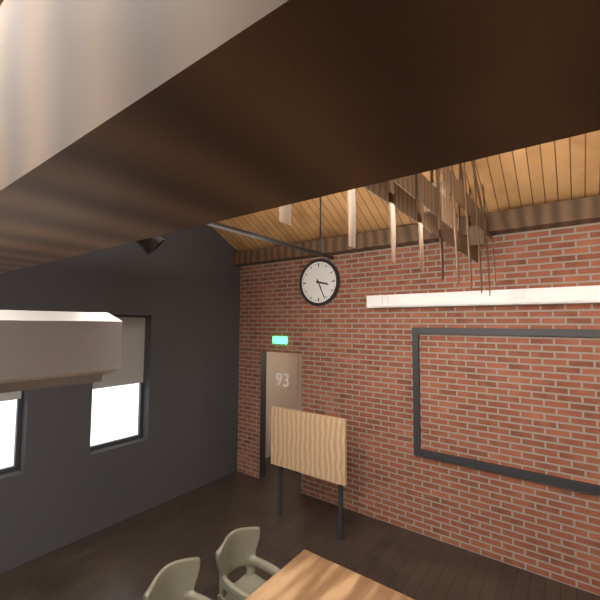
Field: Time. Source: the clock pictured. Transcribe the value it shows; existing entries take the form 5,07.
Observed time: 3,26
